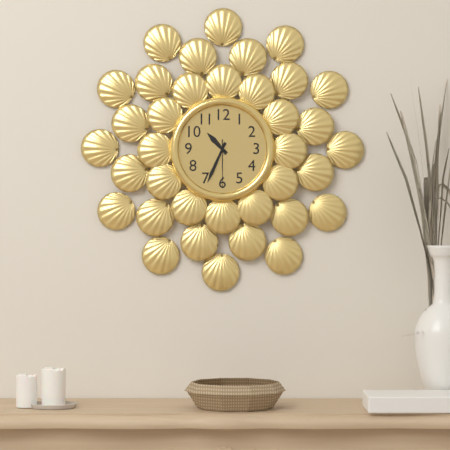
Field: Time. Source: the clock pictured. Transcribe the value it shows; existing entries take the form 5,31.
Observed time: 10,34
